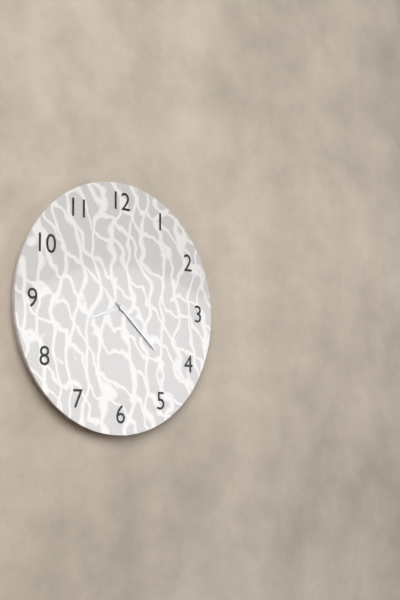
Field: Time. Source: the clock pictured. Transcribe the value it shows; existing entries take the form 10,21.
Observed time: 8,22
